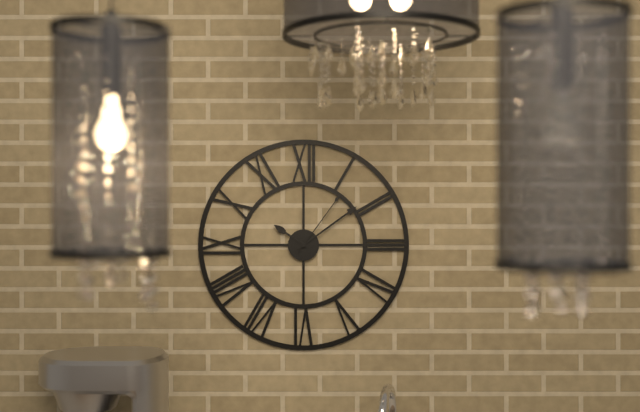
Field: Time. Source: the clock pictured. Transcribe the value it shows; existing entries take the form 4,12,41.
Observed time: 10,09,06
